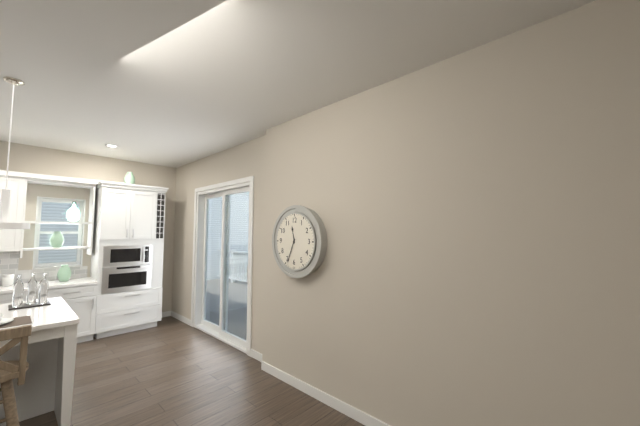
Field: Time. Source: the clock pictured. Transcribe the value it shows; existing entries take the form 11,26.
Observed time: 11,34
